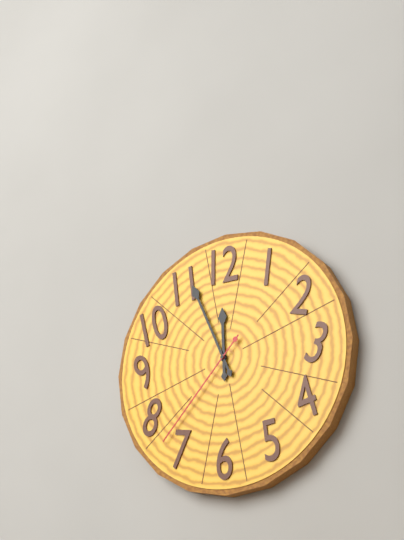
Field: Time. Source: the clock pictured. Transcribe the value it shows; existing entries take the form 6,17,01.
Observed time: 11,56,37
